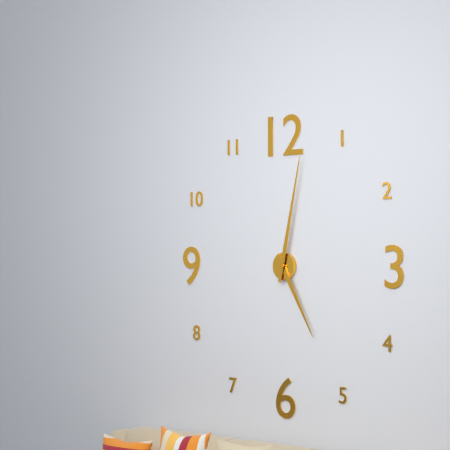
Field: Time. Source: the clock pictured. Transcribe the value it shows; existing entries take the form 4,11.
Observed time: 5,02
